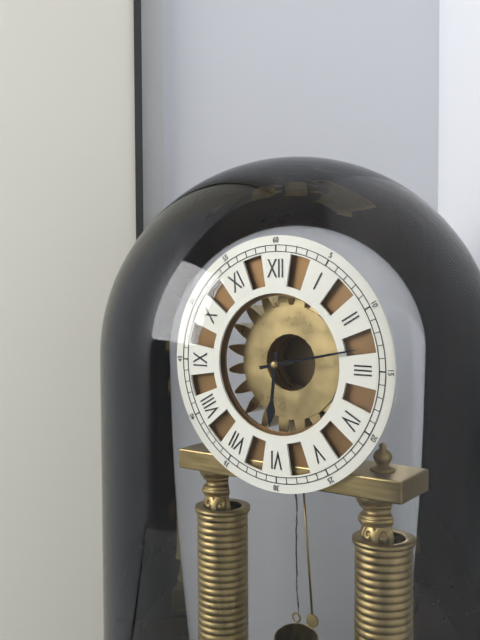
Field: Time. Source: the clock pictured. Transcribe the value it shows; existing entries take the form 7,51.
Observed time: 6,13
